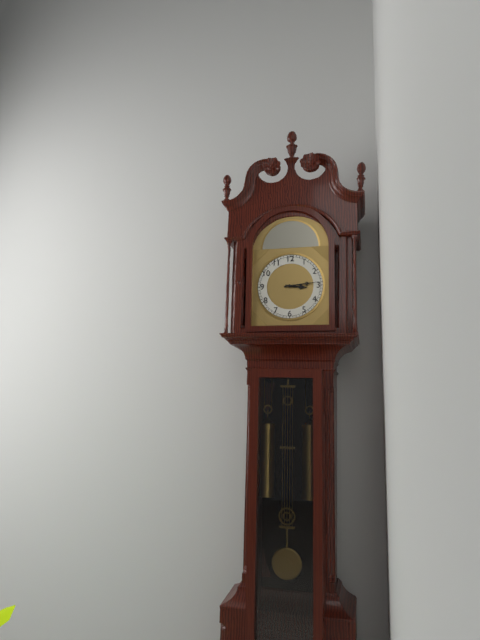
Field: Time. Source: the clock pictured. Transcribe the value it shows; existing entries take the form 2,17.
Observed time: 3,14
